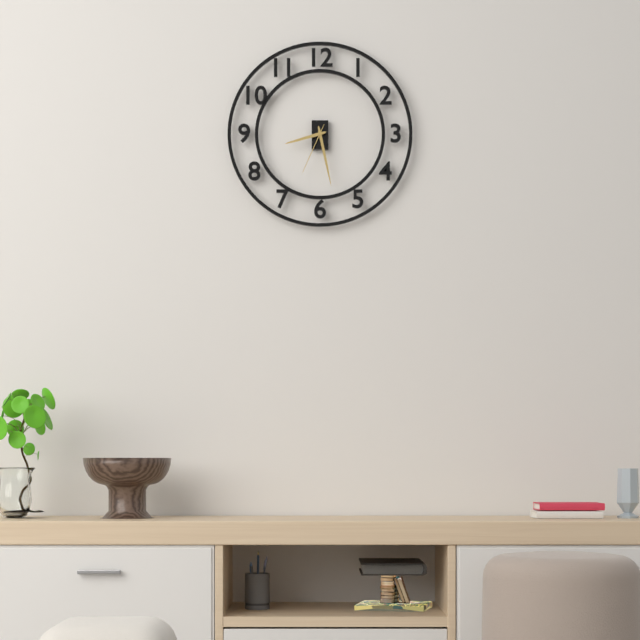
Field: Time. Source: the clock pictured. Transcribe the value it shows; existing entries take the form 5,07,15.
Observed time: 8,28,34
